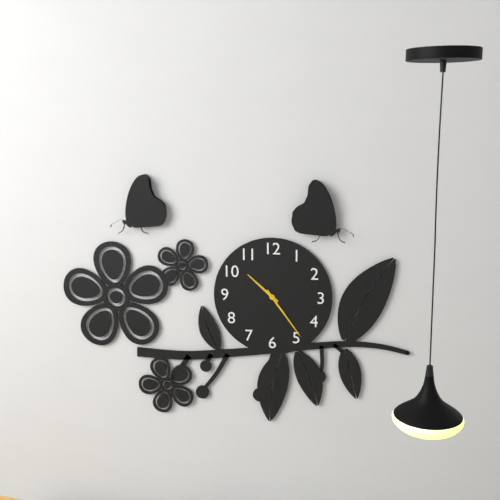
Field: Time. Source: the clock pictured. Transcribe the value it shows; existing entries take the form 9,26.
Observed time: 10,24
